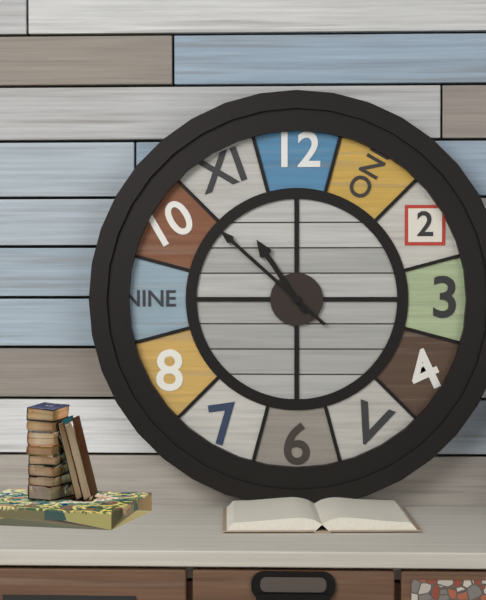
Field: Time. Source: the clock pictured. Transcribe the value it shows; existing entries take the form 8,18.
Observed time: 10,52
